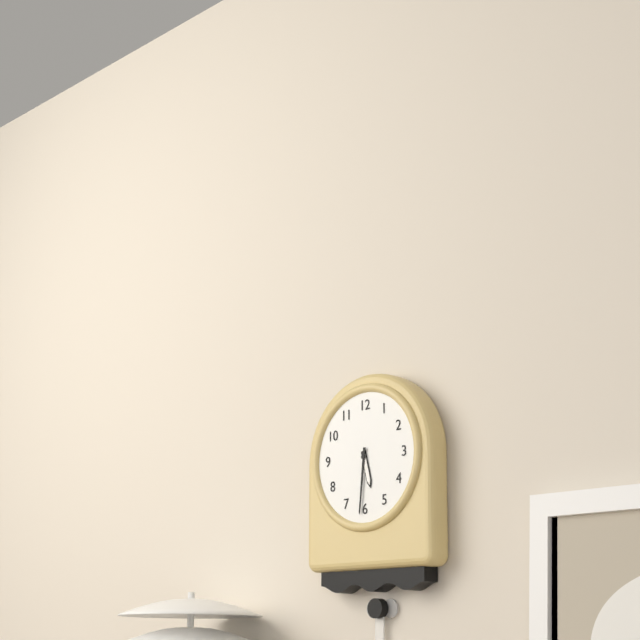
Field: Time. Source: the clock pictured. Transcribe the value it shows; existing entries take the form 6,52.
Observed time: 5,31
